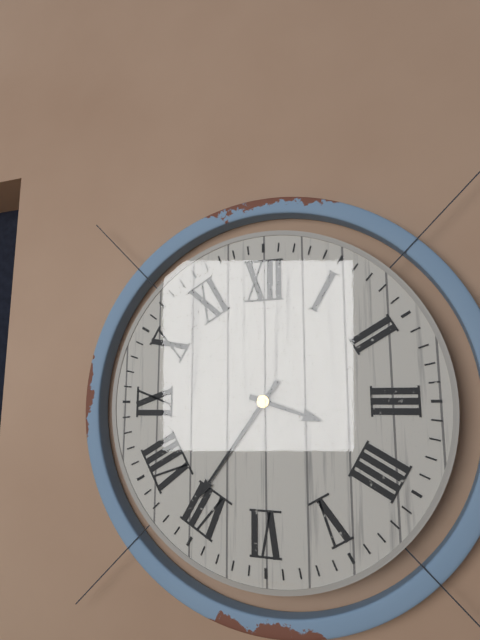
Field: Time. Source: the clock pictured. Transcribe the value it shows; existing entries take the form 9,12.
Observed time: 3,36
